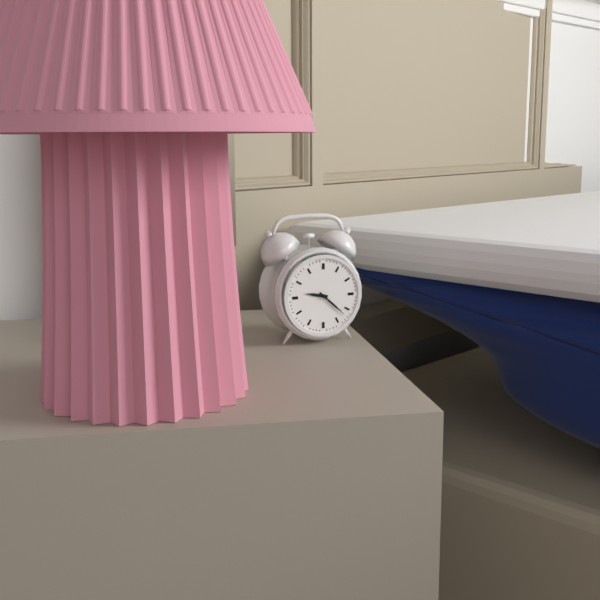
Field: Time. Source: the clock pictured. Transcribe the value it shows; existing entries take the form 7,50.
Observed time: 9,22
